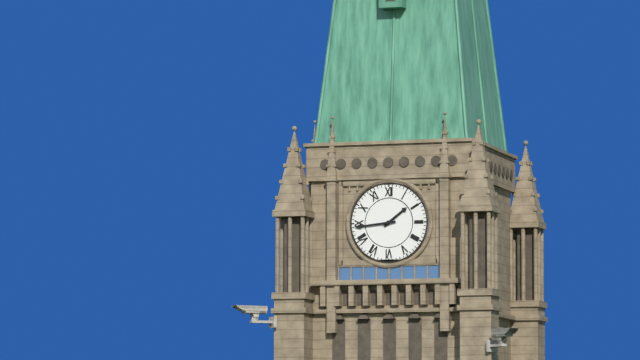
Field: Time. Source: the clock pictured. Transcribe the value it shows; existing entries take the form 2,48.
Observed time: 1,44
